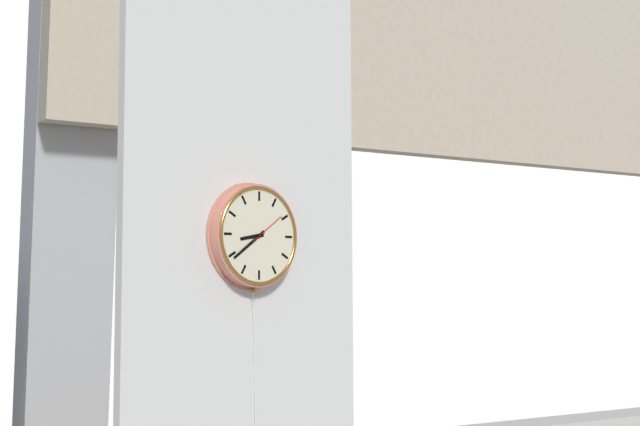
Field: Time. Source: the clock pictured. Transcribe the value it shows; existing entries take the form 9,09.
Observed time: 8,39
